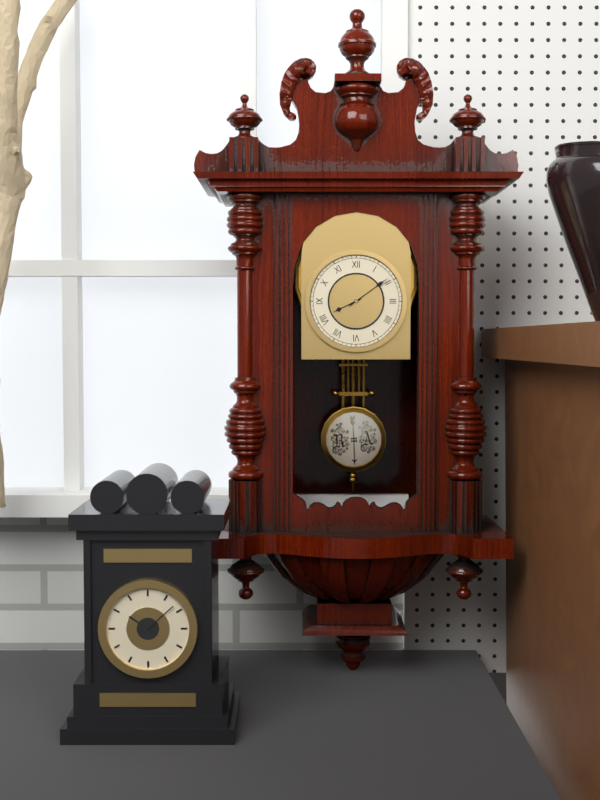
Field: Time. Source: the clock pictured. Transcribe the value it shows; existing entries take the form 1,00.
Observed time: 8,09
